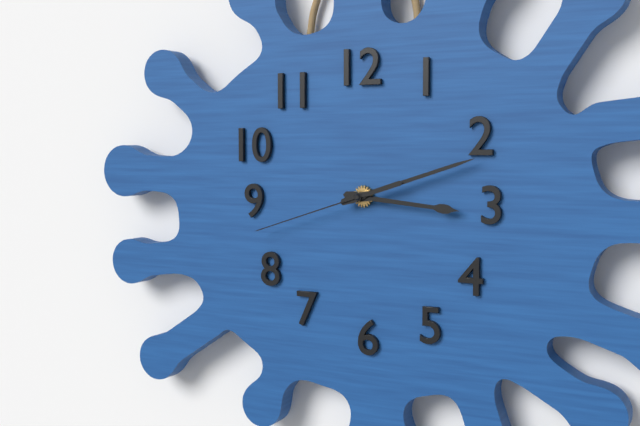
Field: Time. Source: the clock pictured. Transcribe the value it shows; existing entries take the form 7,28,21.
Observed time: 3,12,42
